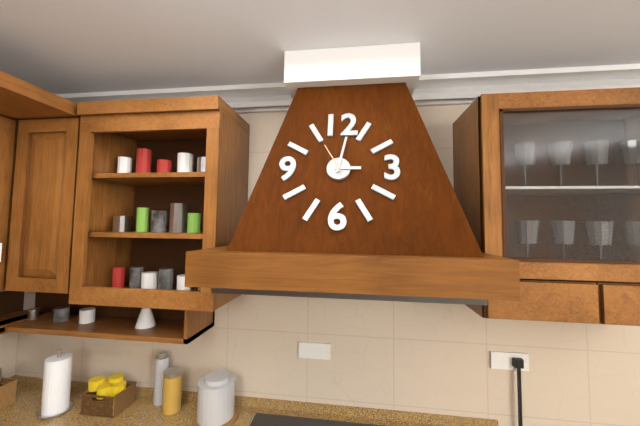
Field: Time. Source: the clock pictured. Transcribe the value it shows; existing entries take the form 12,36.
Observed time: 3,02
